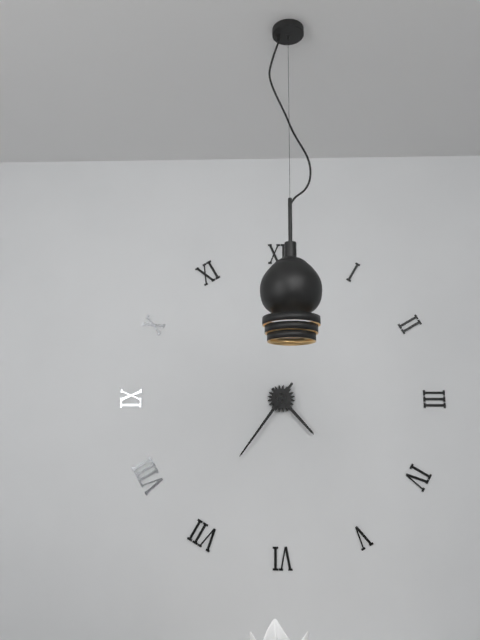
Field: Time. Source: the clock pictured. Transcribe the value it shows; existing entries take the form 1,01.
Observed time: 4,36
